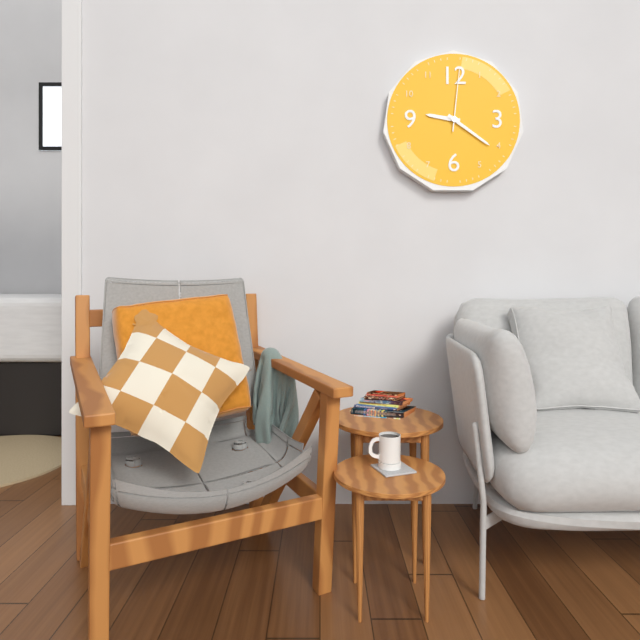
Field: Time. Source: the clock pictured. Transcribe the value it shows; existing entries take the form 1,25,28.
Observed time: 9,21,01
